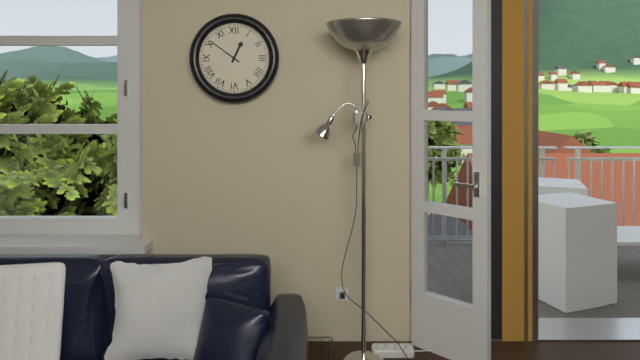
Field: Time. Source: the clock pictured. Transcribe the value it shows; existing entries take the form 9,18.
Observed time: 12,51
